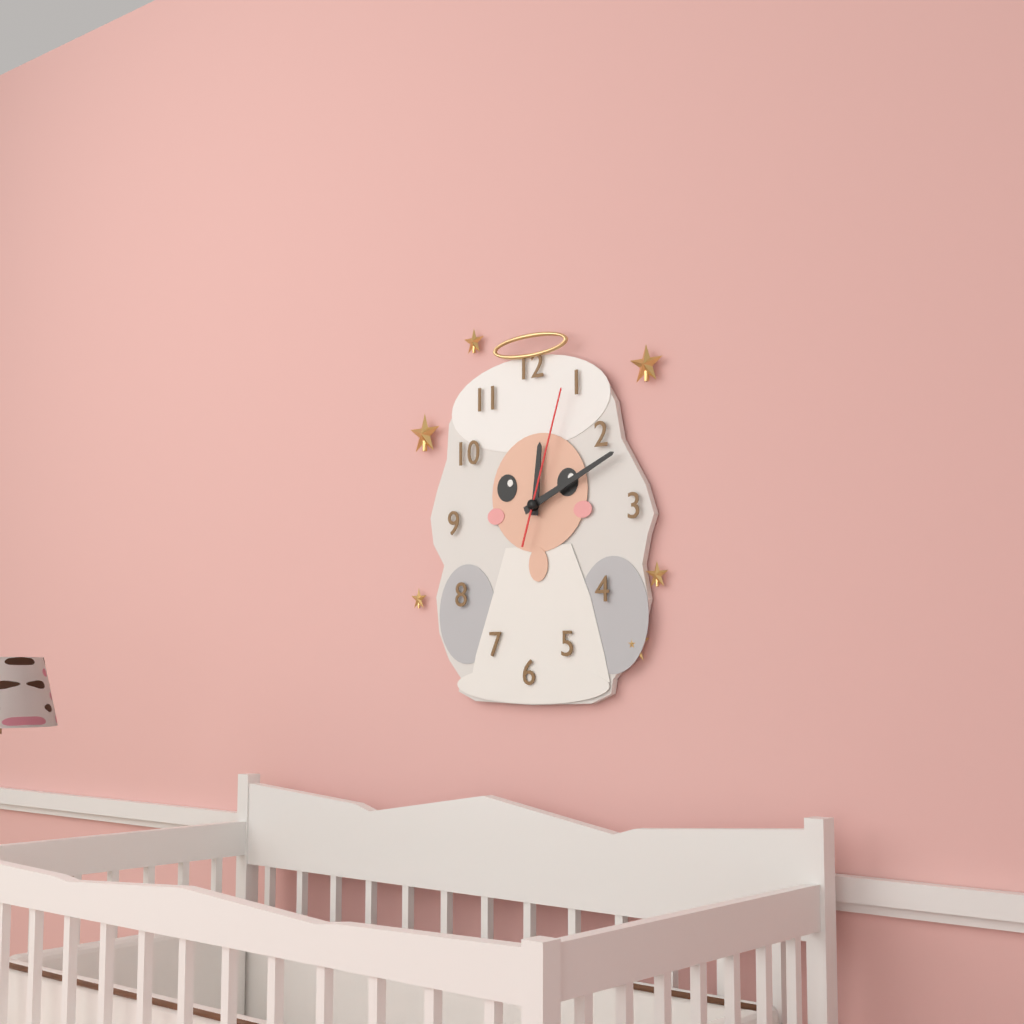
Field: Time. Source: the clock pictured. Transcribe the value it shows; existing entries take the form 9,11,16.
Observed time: 12,11,03
